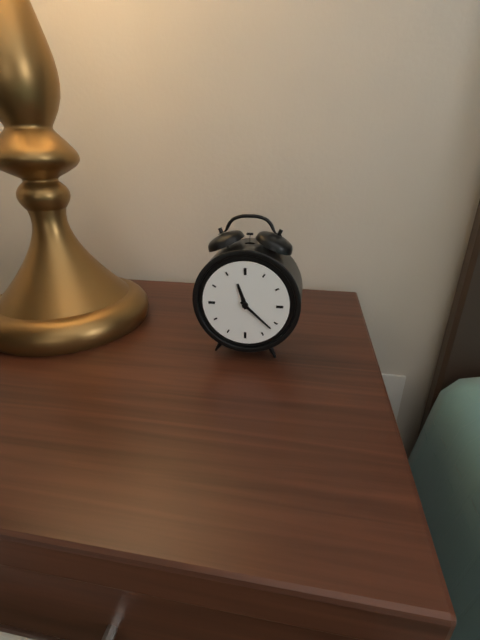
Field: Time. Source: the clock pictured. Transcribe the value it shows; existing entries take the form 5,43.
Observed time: 11,22
